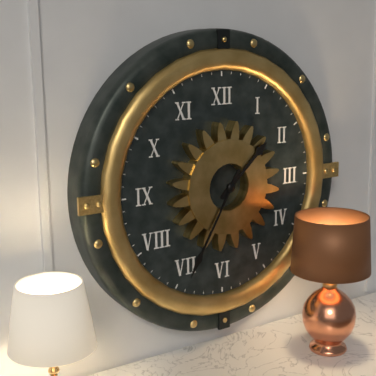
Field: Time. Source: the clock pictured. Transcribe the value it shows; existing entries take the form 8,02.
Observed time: 1,35
